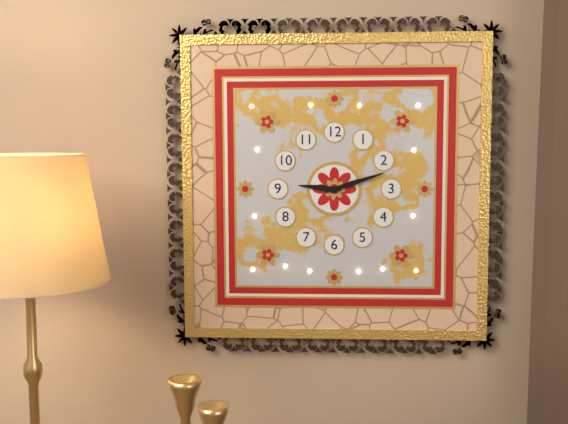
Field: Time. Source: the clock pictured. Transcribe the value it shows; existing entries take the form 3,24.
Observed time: 9,12
